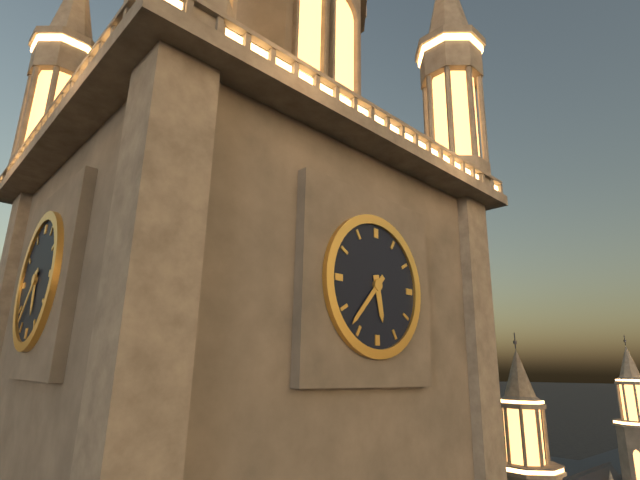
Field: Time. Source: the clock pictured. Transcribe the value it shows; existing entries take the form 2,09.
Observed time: 5,37
